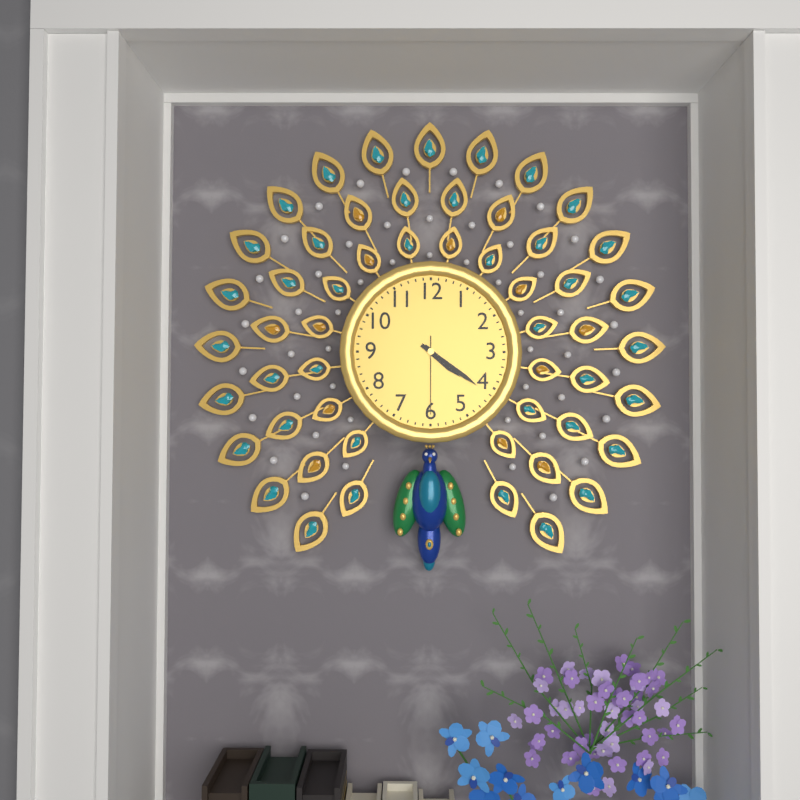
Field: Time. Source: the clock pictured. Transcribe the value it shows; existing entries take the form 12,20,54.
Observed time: 4,21,30
